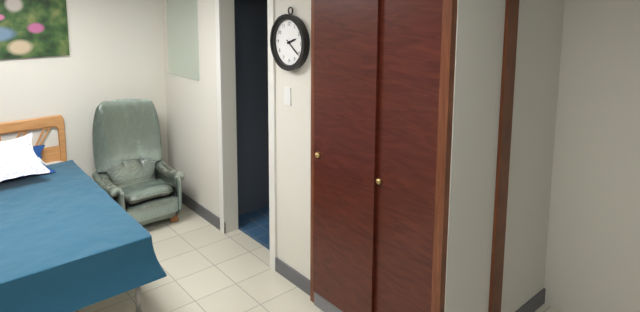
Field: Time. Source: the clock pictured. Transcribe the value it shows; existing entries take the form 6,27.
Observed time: 2,21
